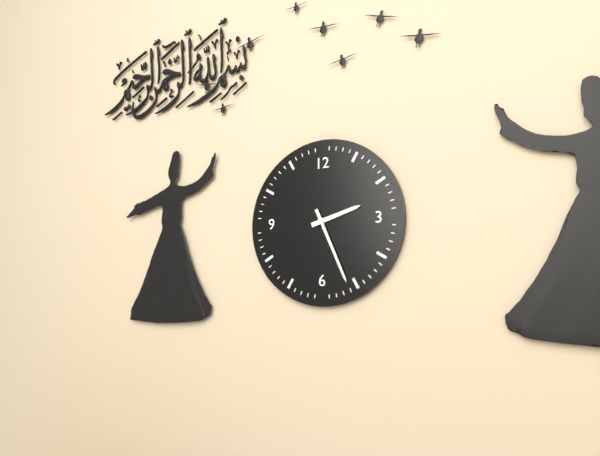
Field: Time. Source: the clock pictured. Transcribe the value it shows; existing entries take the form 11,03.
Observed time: 2,26
